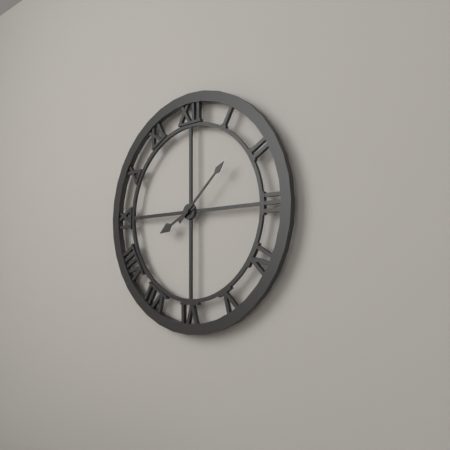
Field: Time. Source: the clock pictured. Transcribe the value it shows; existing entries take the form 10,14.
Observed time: 8,08
